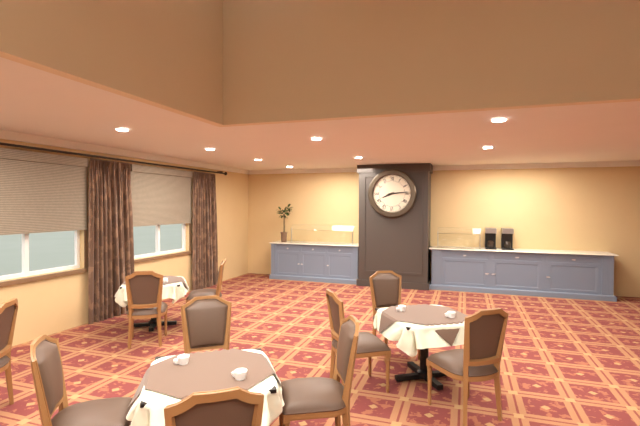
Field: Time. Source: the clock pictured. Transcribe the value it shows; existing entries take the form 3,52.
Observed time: 8,14
